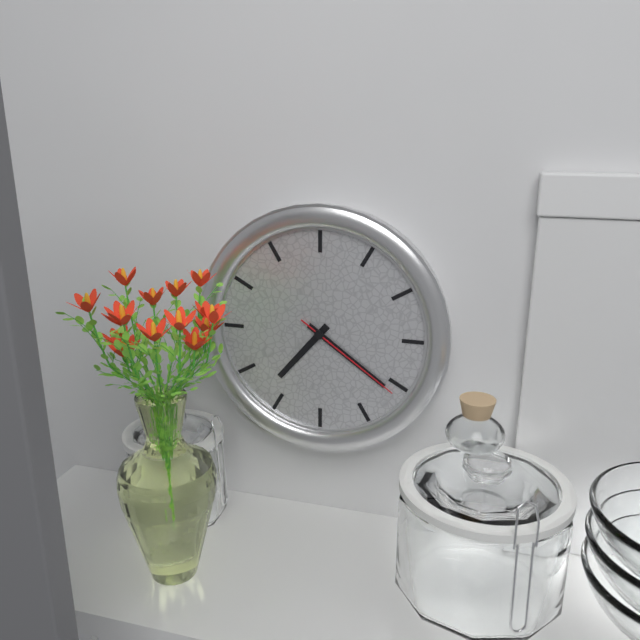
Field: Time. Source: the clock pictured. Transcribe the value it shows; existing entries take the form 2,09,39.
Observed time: 7,21,21
